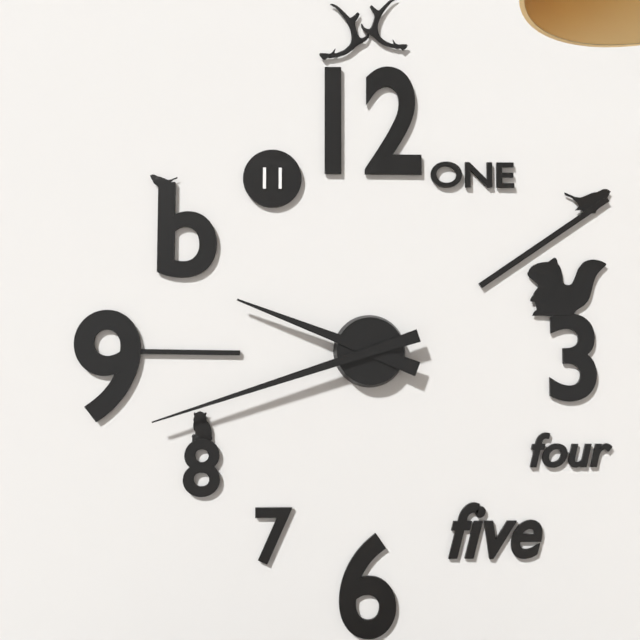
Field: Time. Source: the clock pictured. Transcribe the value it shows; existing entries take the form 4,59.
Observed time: 9,42
